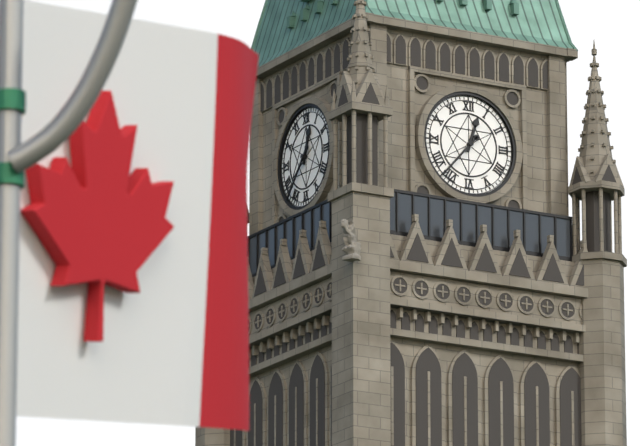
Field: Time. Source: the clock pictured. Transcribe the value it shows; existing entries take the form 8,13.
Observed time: 12,37
